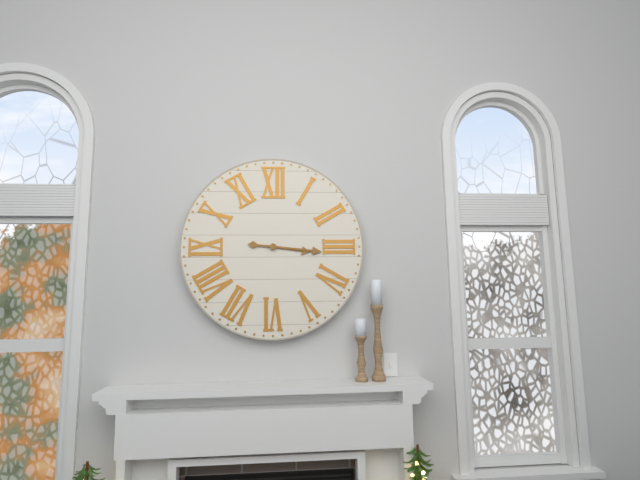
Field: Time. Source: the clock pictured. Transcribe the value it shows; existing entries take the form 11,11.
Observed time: 3,16
